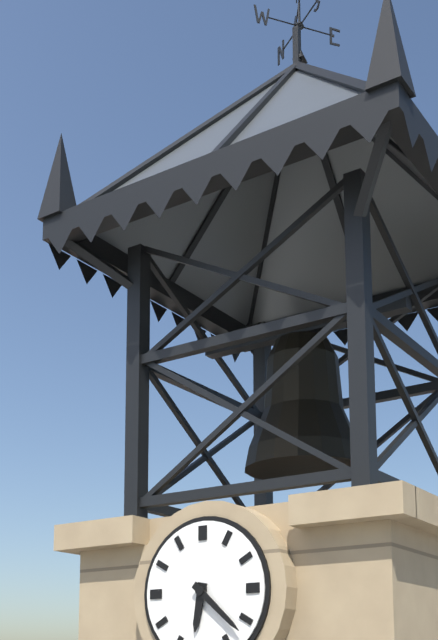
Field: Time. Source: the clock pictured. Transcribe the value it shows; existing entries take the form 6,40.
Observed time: 6,22
